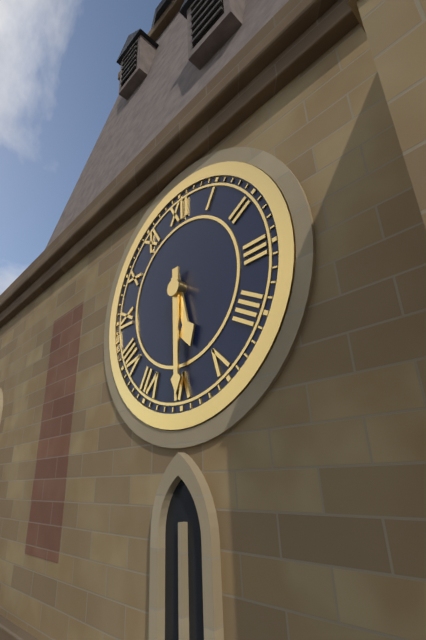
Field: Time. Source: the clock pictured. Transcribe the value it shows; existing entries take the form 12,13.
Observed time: 5,30
